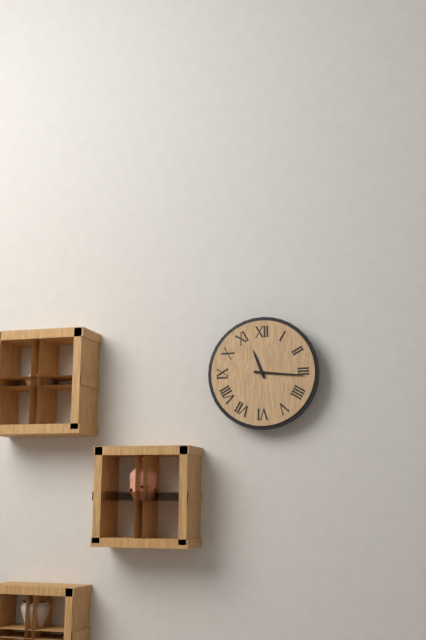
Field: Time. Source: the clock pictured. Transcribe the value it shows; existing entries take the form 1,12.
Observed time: 11,16
